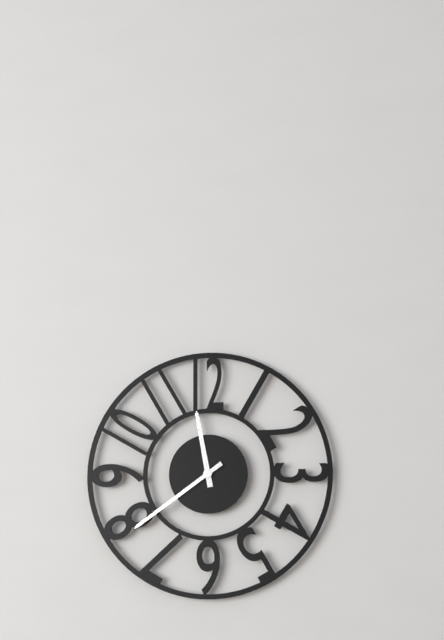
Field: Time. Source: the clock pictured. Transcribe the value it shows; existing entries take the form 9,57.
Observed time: 11,39
